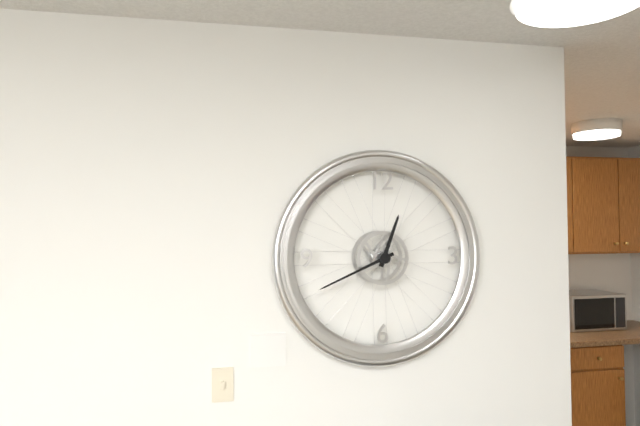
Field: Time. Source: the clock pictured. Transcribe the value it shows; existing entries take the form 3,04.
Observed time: 12,41
